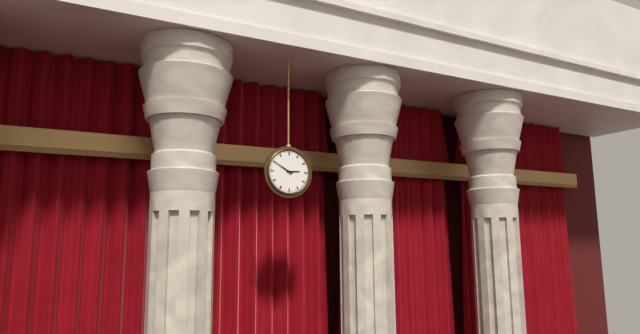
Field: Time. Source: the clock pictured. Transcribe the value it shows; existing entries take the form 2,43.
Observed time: 2,50
